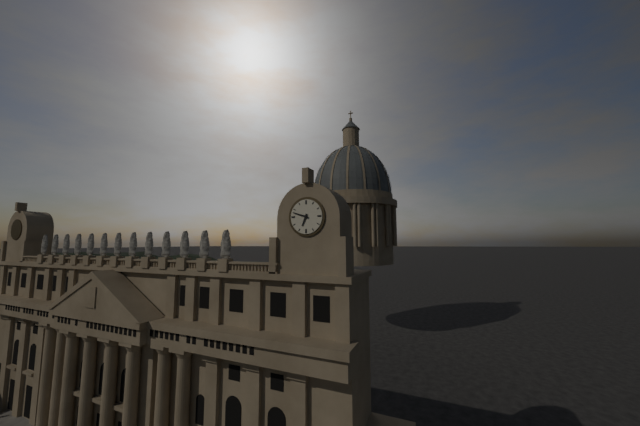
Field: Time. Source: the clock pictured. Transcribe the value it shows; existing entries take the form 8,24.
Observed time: 6,48
